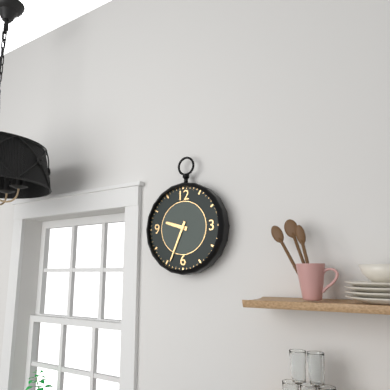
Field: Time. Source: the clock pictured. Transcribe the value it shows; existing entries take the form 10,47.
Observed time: 9,34
